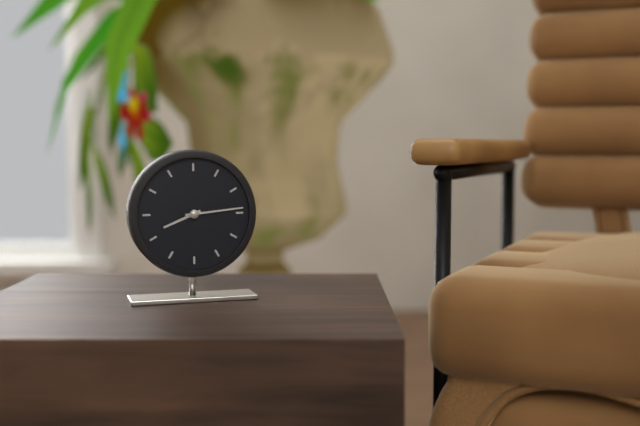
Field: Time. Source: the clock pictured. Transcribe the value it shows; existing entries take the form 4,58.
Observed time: 8,14
